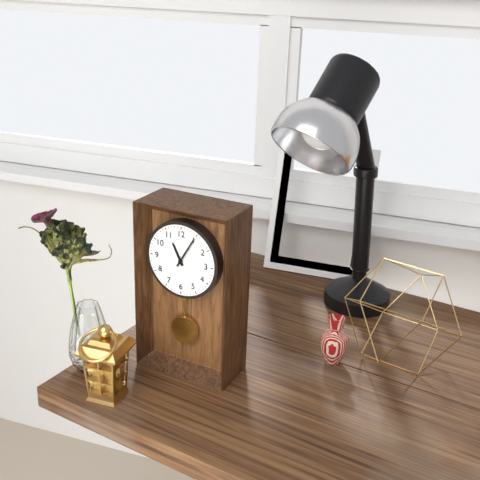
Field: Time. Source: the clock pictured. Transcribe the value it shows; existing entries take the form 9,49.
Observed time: 11,05
